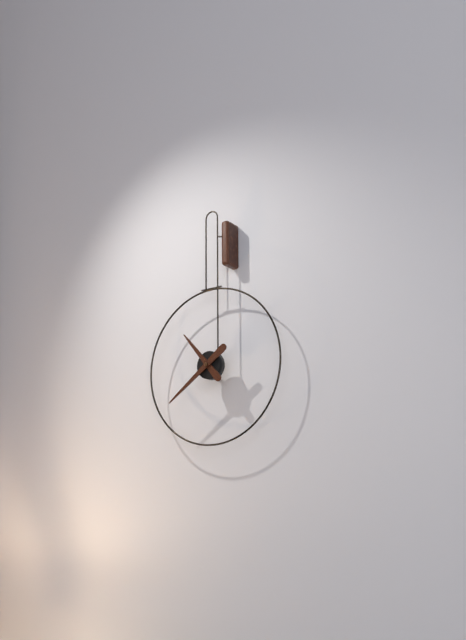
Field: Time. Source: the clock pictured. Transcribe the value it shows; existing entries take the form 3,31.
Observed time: 10,39
